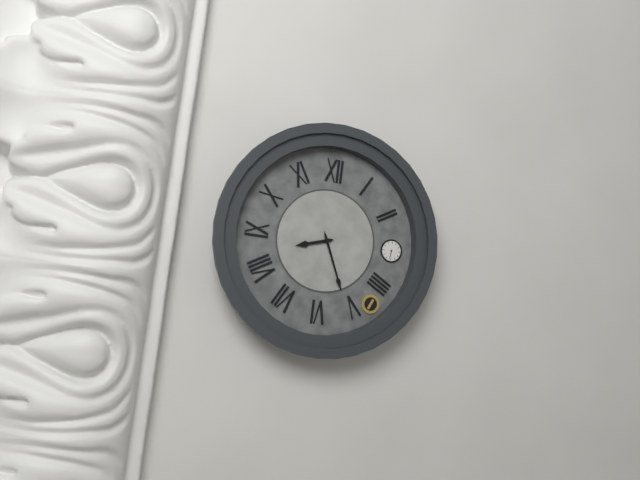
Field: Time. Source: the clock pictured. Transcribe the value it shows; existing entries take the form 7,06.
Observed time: 8,26
